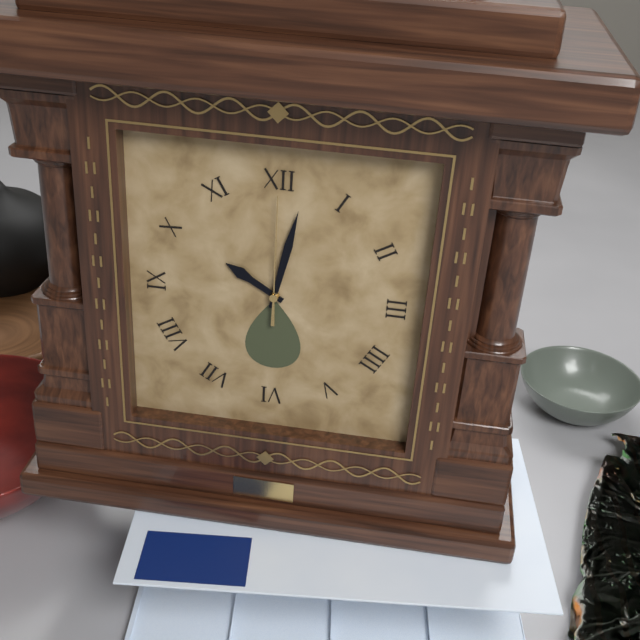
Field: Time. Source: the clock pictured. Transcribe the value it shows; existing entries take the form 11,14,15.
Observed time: 10,02,00
